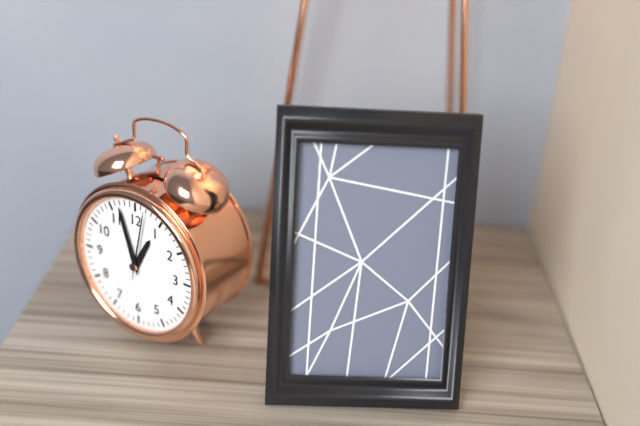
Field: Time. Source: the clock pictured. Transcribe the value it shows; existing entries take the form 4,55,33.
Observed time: 12,57,02
